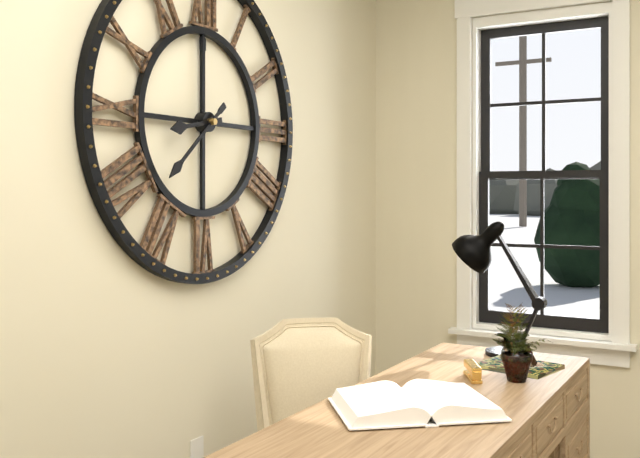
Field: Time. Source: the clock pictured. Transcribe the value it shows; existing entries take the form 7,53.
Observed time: 8,38
